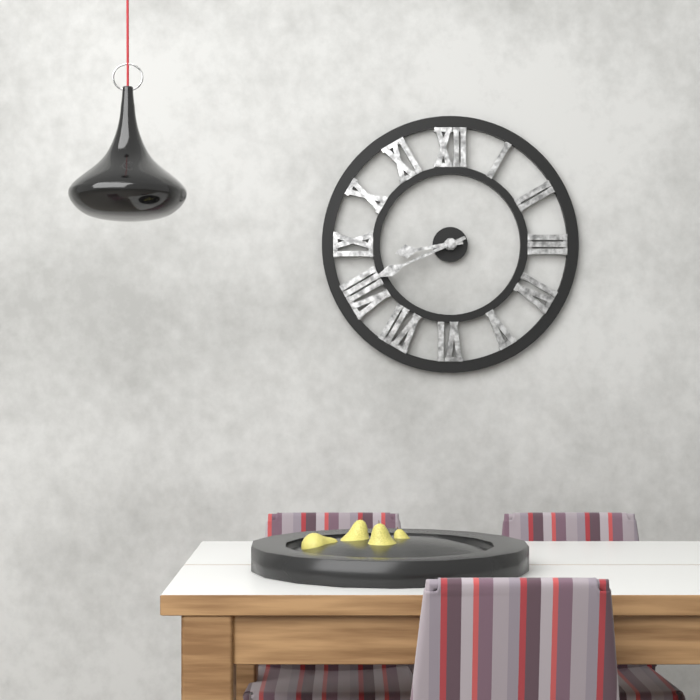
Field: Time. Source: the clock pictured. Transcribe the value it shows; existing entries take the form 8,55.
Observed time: 8,41
